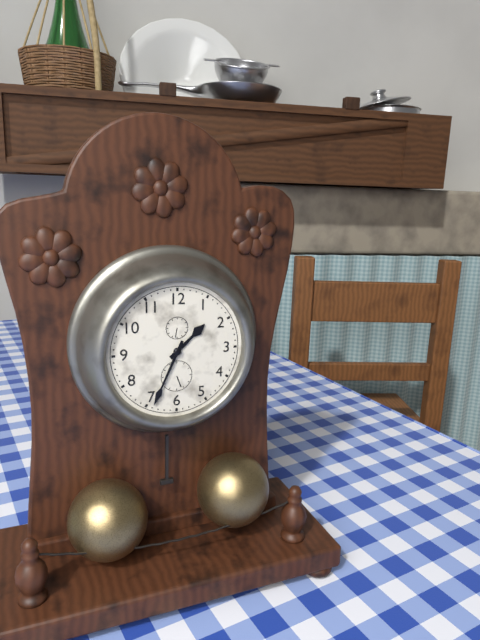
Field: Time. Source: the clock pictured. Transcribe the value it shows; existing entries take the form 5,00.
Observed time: 1,34
